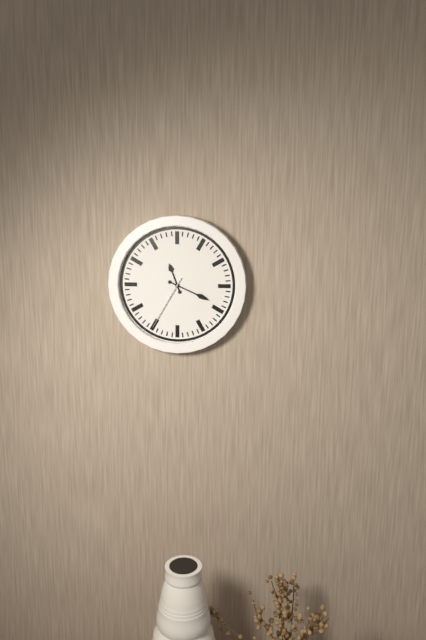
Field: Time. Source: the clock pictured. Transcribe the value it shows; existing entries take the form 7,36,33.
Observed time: 11,19,35
